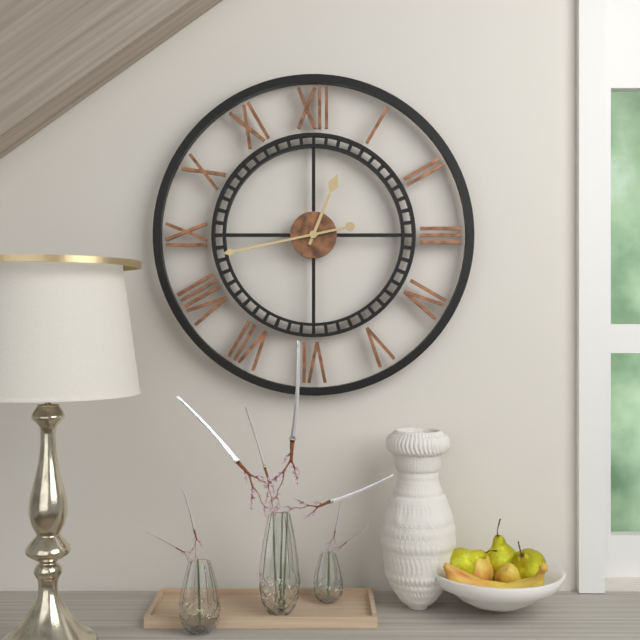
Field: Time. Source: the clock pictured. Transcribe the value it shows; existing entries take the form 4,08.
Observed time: 12,43
